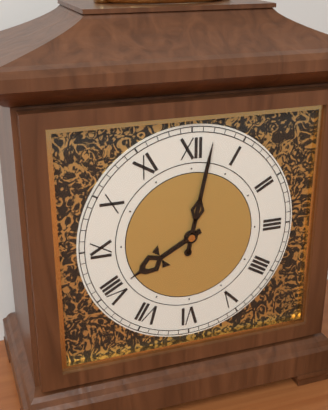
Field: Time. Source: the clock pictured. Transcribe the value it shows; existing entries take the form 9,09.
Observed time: 8,02
